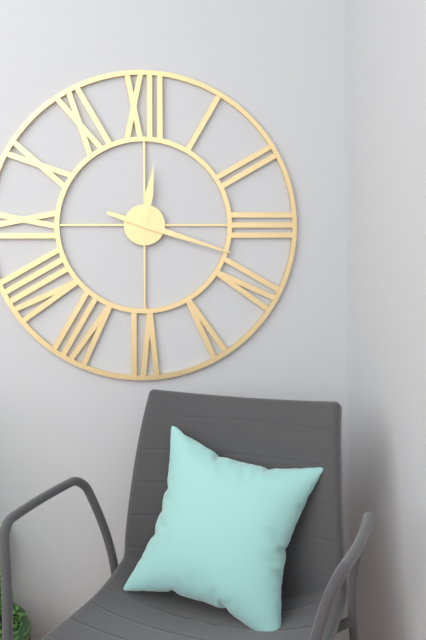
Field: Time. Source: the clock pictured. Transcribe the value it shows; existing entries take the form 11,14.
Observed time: 12,18
